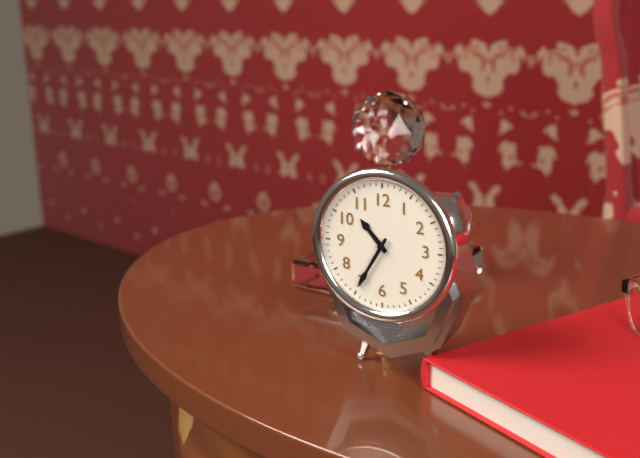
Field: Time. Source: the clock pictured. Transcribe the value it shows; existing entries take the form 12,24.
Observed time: 10,35
